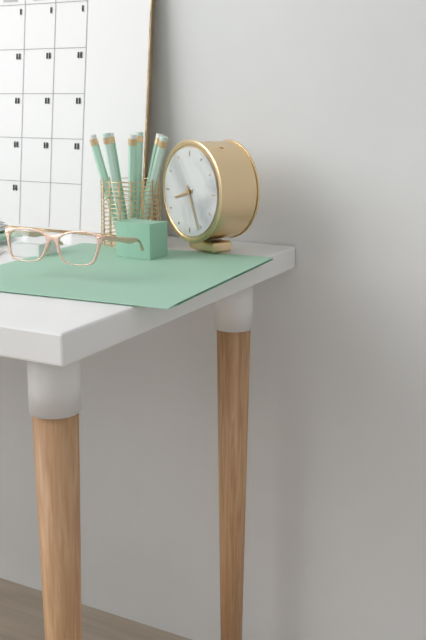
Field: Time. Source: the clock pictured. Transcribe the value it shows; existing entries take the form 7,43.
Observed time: 8,26
